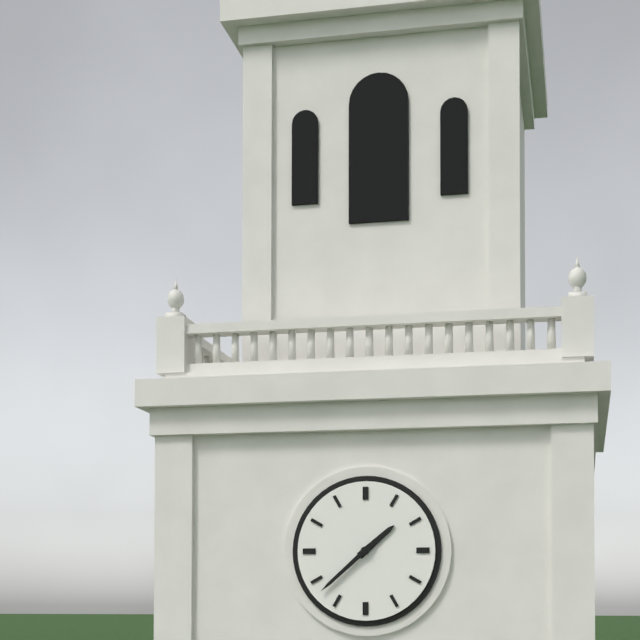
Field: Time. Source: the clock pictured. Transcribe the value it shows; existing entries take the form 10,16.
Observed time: 1,38
